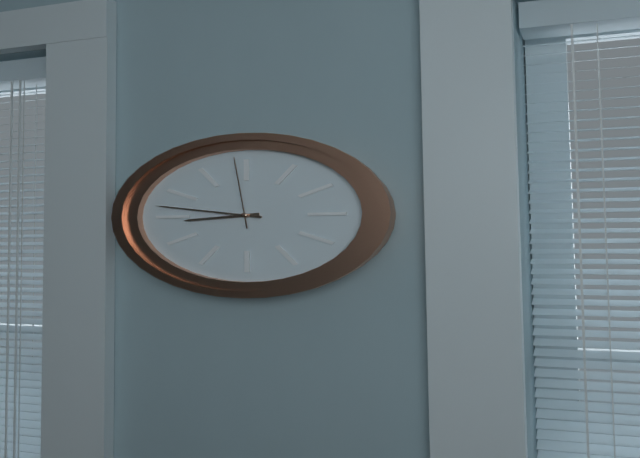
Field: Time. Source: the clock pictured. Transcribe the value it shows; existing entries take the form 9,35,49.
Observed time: 8,47,59
